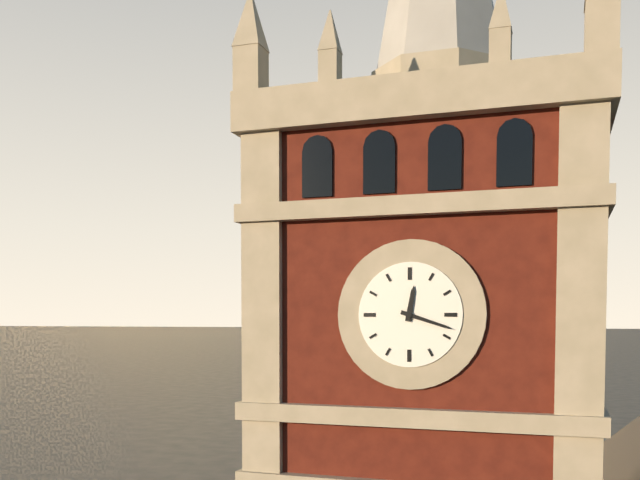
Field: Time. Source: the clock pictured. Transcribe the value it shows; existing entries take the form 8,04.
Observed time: 12,18
